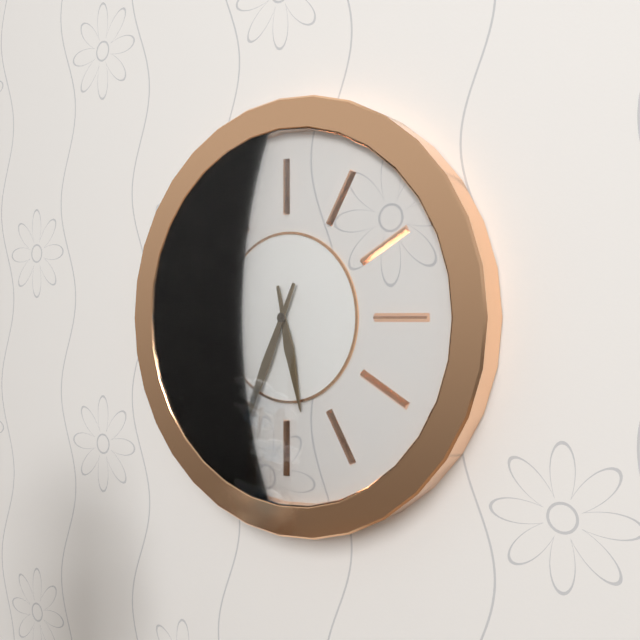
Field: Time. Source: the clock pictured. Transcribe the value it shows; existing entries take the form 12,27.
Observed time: 5,34
